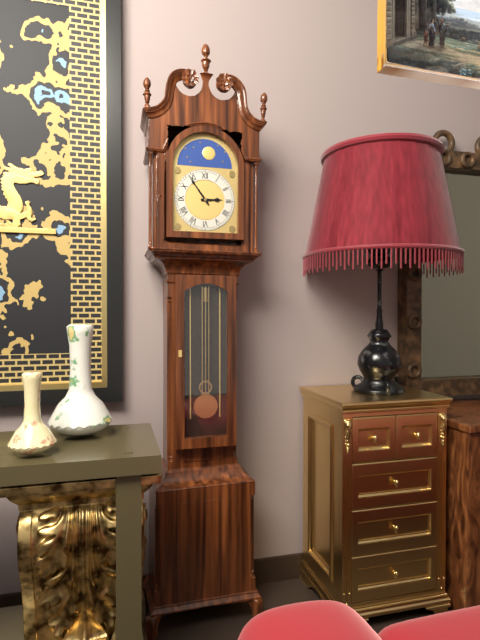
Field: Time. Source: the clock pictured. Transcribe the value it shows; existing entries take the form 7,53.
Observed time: 2,54
